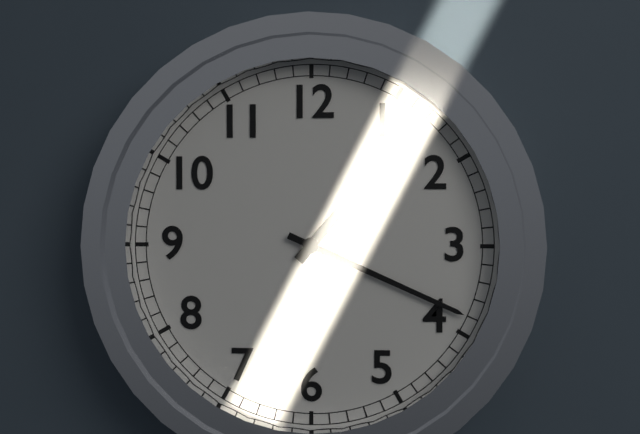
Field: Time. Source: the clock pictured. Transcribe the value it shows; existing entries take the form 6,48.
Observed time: 1,19
